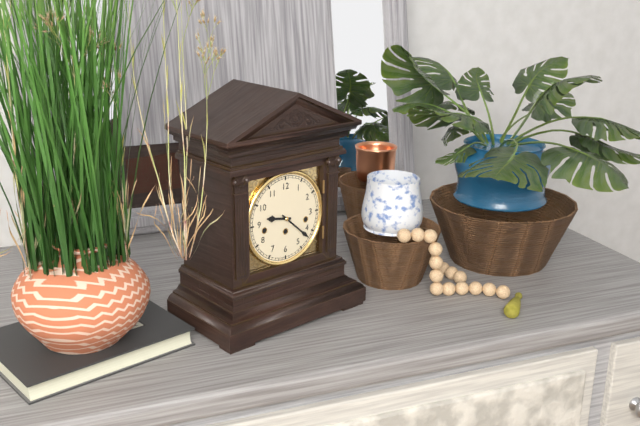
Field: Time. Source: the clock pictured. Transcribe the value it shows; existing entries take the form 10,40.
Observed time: 9,22
